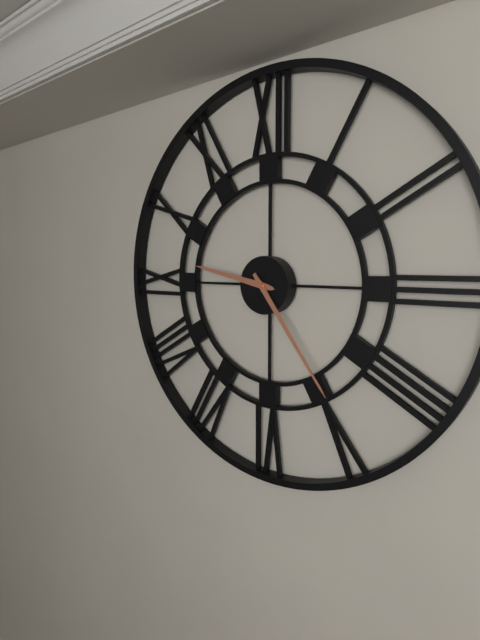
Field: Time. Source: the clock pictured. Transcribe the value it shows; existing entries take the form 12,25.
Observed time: 9,24
